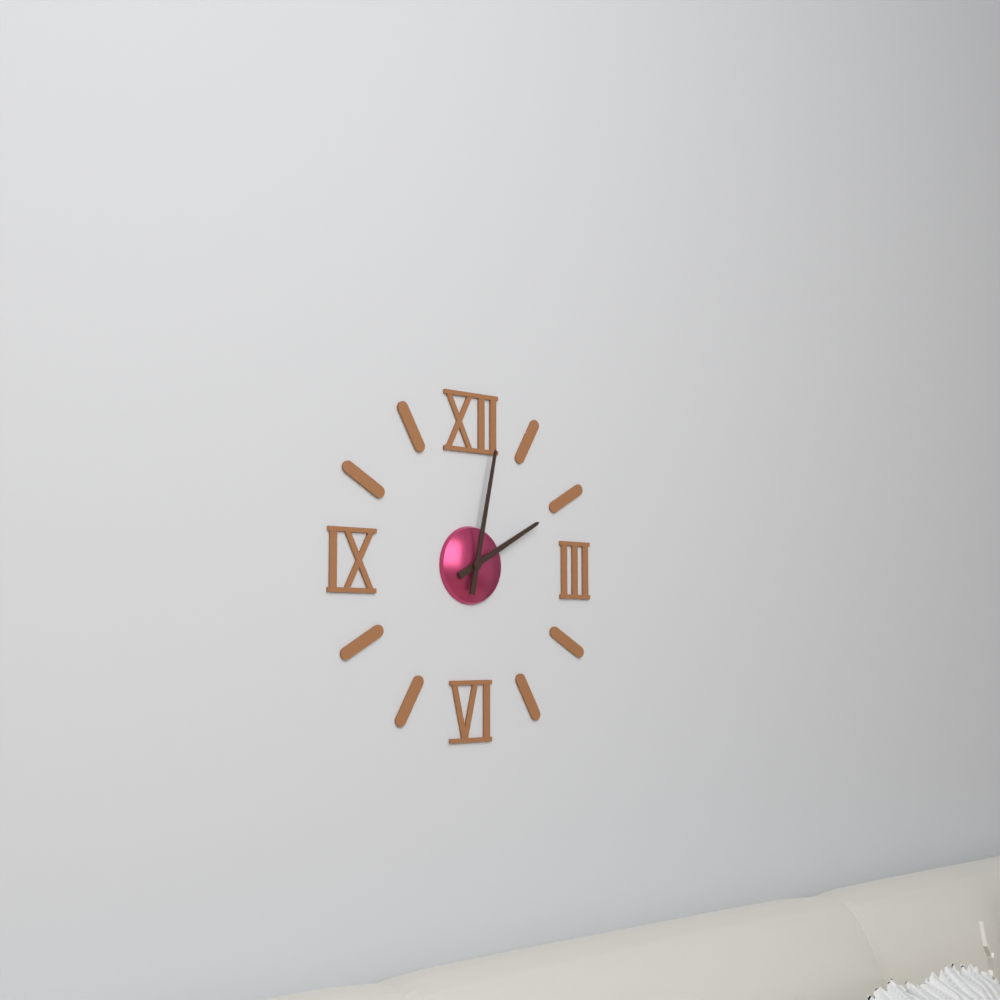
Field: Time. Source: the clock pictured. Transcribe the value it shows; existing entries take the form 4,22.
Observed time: 2,02
